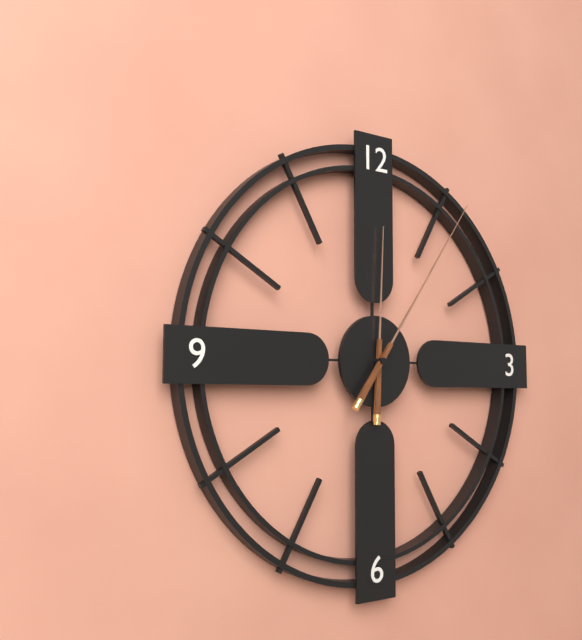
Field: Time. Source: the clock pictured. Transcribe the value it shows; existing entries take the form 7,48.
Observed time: 12,06
